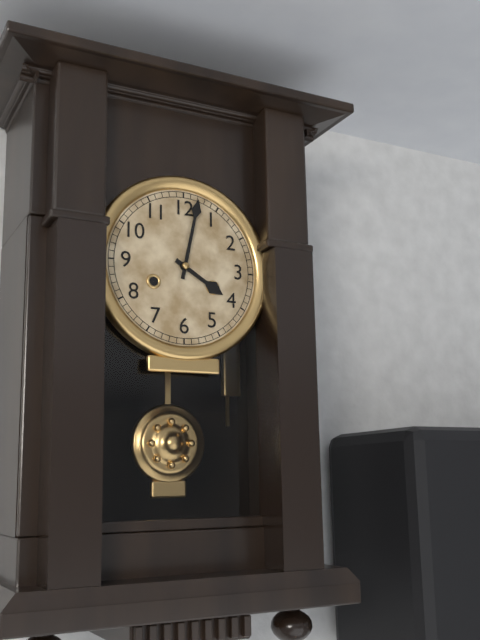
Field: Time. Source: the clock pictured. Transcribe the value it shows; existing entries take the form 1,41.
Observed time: 4,02
